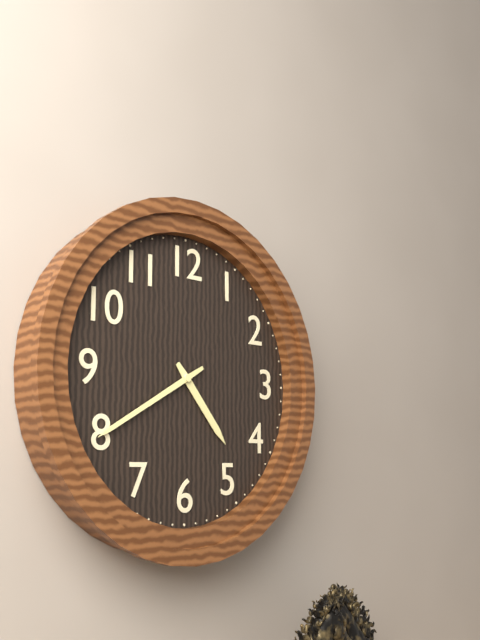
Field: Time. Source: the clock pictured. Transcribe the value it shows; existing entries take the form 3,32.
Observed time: 4,40
